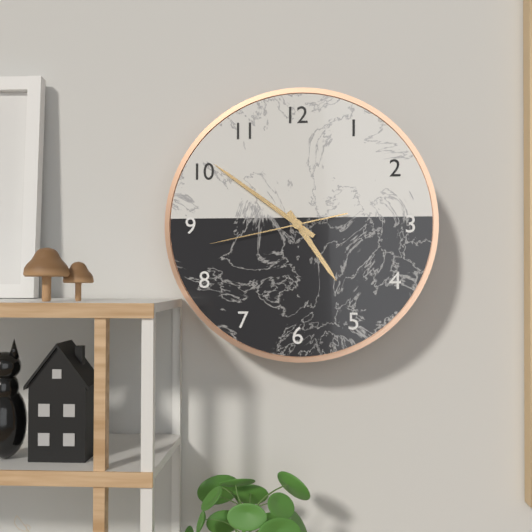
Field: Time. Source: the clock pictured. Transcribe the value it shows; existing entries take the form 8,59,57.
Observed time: 4,51,43
